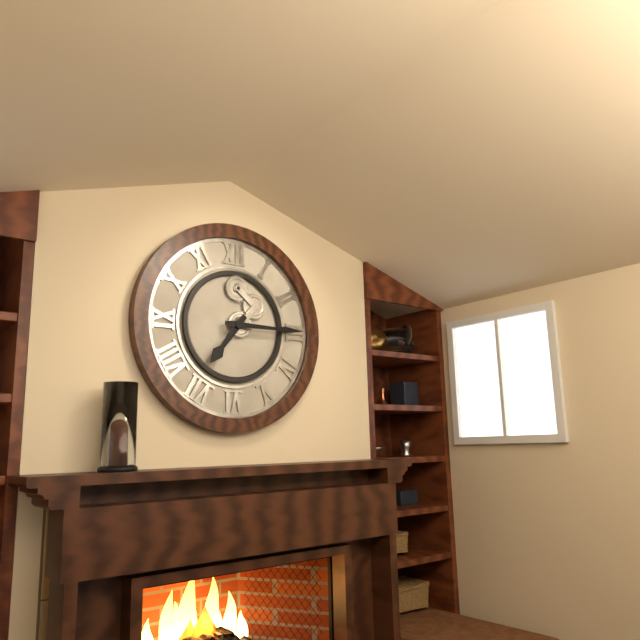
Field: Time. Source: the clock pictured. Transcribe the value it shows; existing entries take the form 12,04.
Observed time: 7,15
